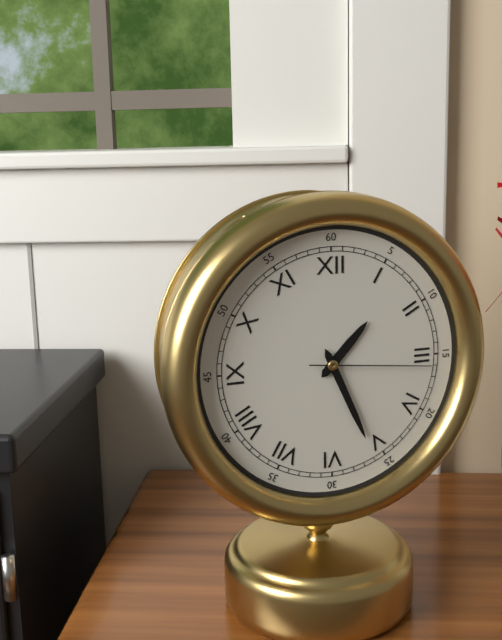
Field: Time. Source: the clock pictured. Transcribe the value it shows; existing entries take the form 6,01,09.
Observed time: 1,26,16
